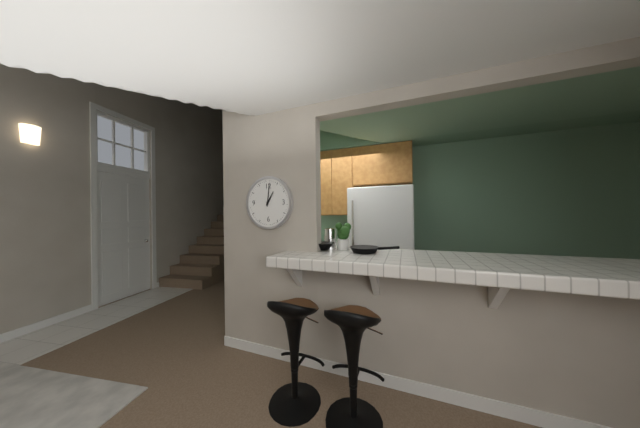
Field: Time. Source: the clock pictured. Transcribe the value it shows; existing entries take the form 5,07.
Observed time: 1,01
